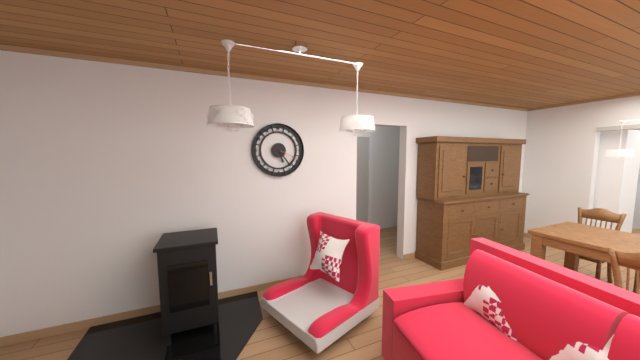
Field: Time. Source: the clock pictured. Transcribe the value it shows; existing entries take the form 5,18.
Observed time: 5,24
